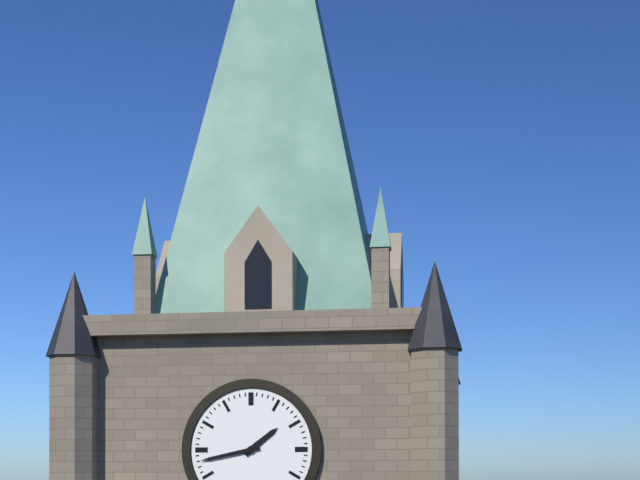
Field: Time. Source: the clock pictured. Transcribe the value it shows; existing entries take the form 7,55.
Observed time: 1,43
